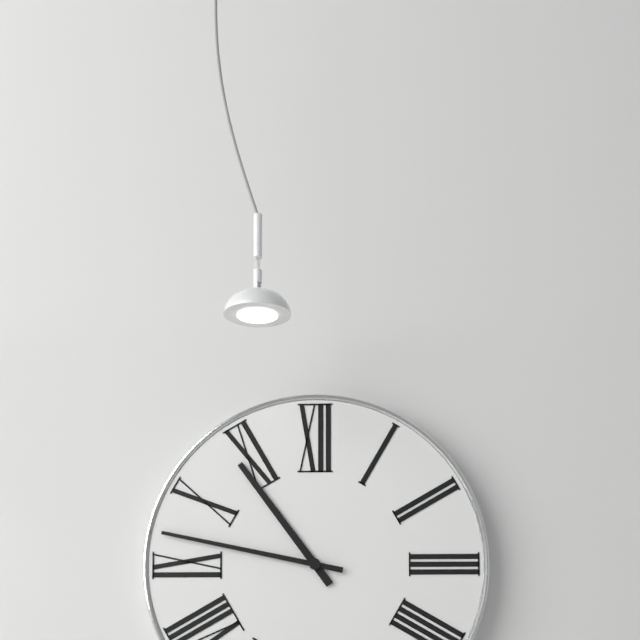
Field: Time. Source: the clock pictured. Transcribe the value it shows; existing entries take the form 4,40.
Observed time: 10,47
